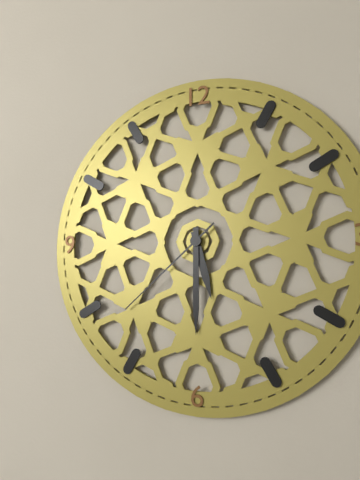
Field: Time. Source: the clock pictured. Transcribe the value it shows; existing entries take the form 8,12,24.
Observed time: 5,30,38
